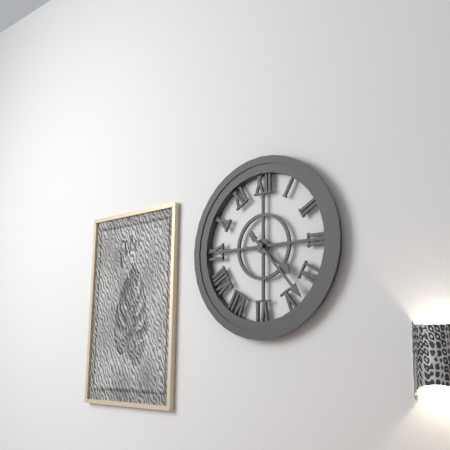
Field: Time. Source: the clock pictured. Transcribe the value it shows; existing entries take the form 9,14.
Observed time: 4,23
